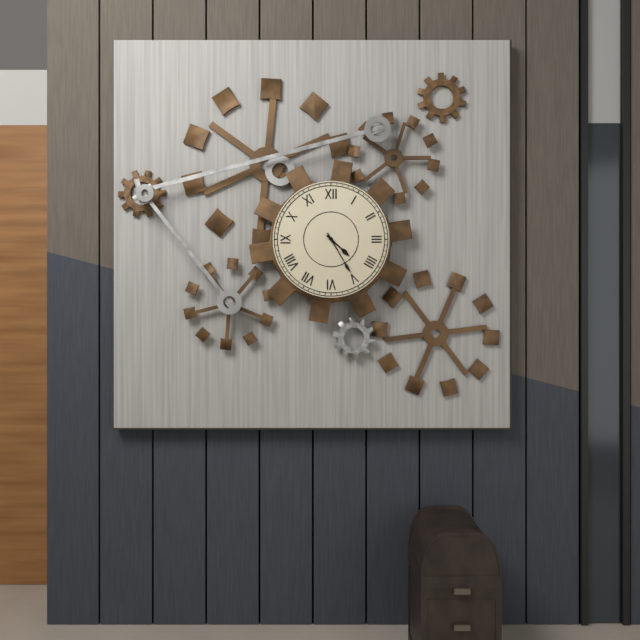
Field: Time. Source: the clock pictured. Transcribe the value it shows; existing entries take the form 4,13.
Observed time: 4,25
